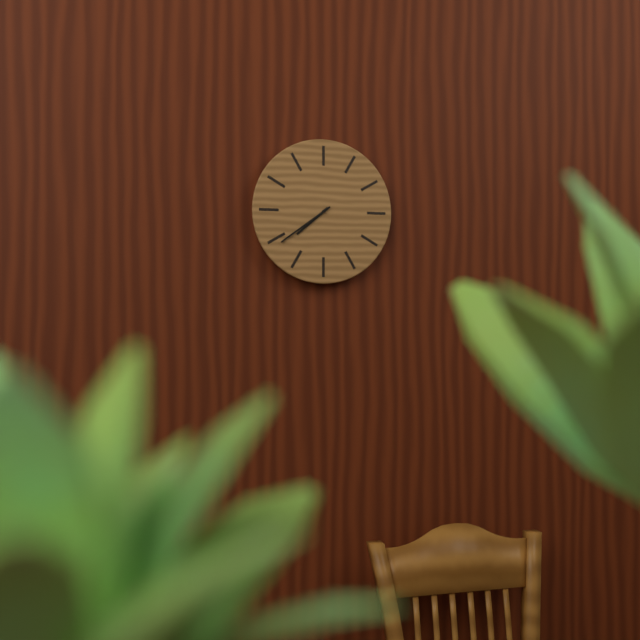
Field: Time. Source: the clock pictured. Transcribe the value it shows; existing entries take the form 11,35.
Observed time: 7,39
